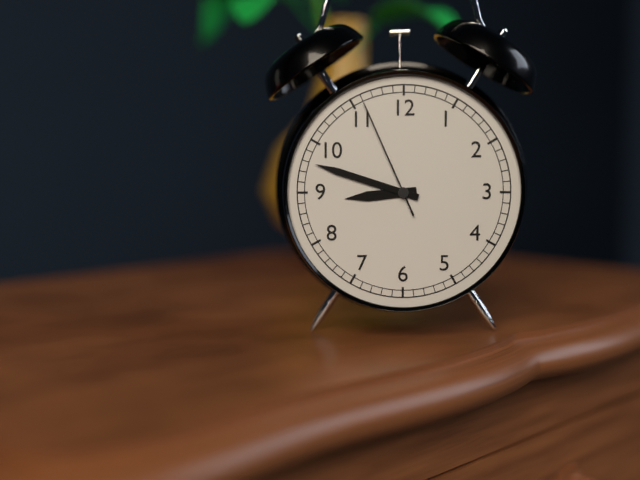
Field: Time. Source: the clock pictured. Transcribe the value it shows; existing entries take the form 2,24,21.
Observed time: 8,48,56
